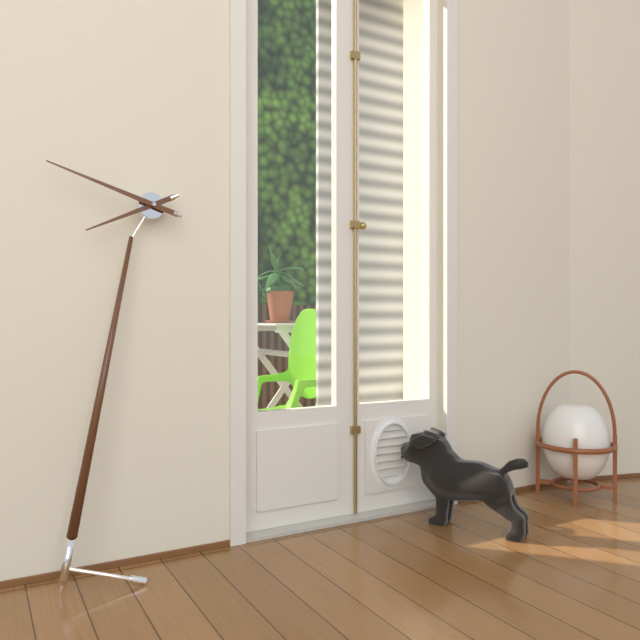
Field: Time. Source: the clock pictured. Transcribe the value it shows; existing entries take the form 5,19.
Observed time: 7,46
